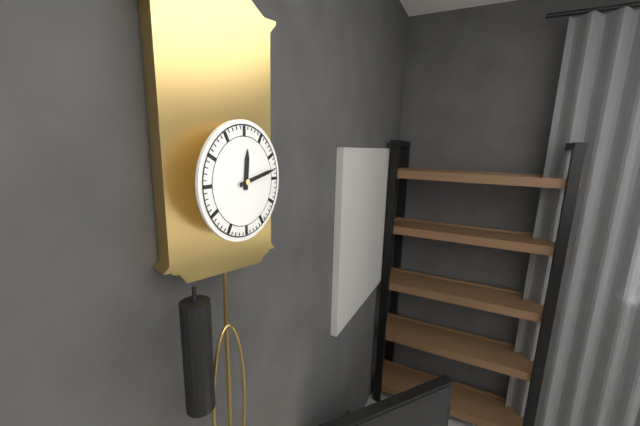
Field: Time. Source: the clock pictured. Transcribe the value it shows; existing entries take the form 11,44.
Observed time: 12,13
